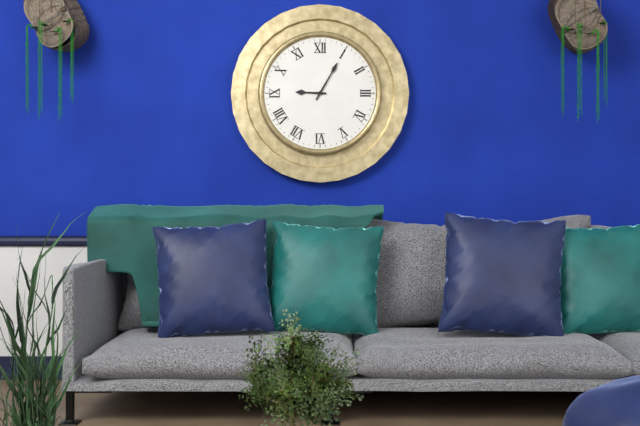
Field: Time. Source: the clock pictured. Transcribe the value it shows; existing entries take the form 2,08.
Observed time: 9,05
